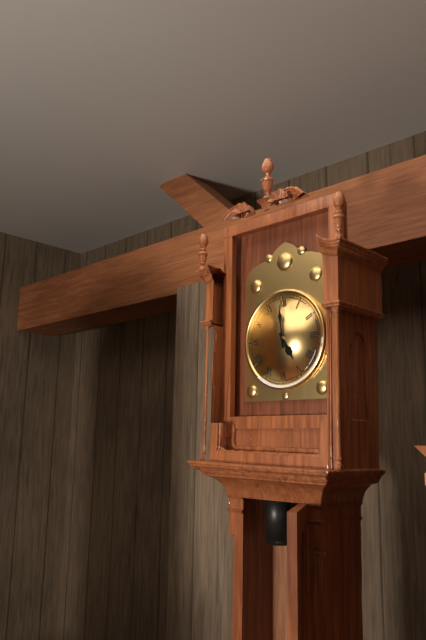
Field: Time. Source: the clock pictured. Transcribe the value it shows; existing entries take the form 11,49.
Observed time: 4,59
